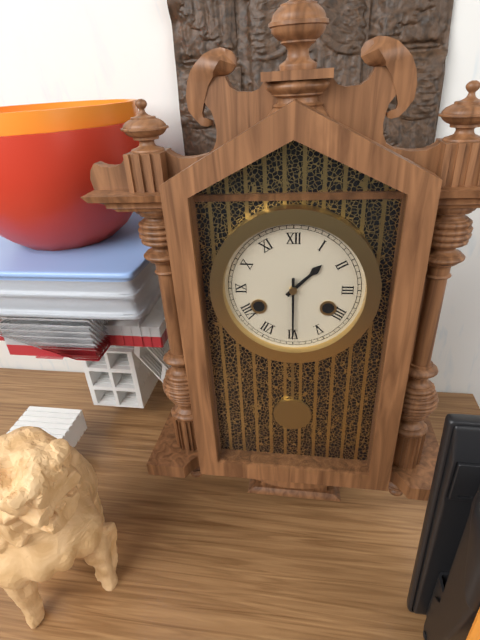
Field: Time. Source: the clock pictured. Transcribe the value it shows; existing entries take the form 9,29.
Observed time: 1,30
